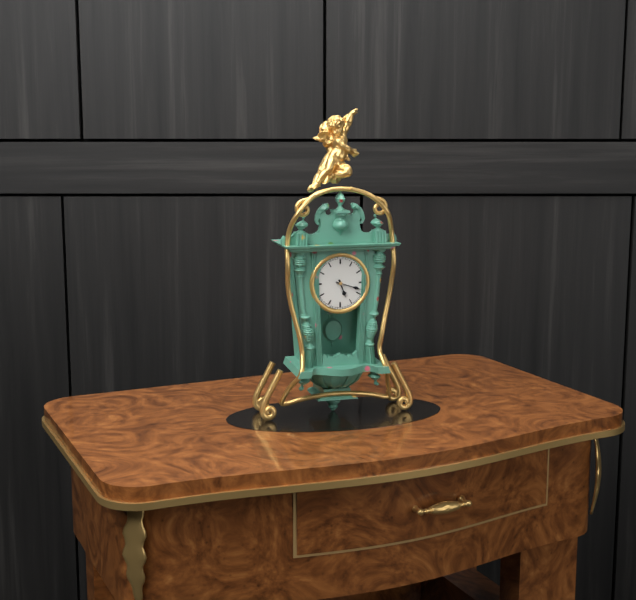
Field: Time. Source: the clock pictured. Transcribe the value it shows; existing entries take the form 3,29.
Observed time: 5,18
